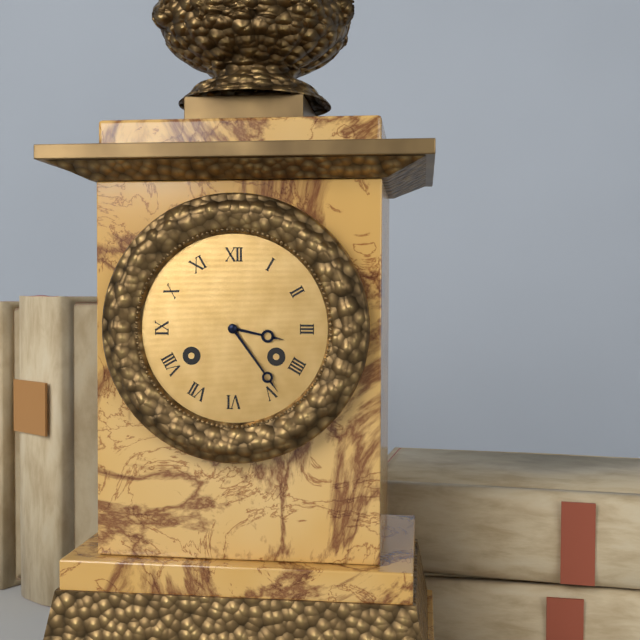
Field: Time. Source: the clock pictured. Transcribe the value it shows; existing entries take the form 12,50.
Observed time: 3,24
